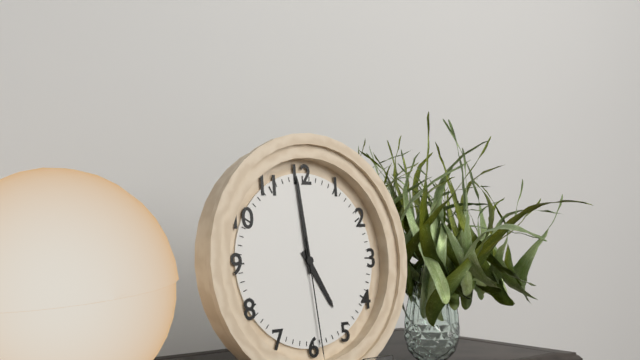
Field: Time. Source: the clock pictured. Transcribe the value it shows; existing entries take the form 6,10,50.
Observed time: 4,59,29
